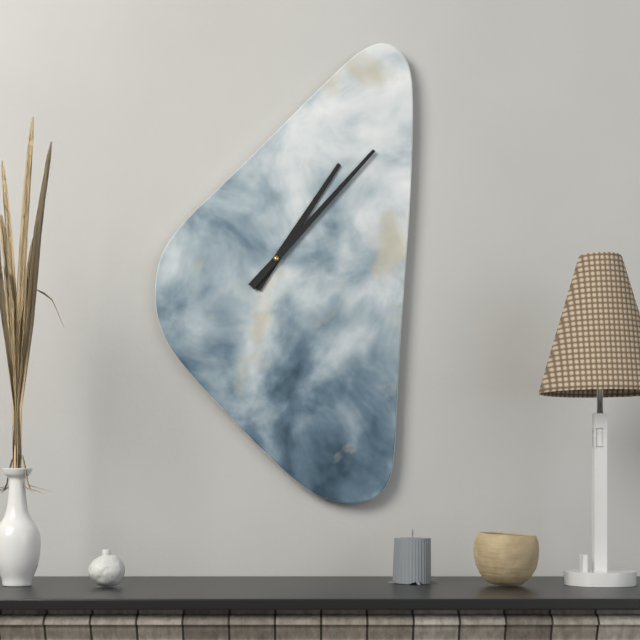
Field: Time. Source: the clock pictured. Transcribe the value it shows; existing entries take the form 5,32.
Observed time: 1,07
